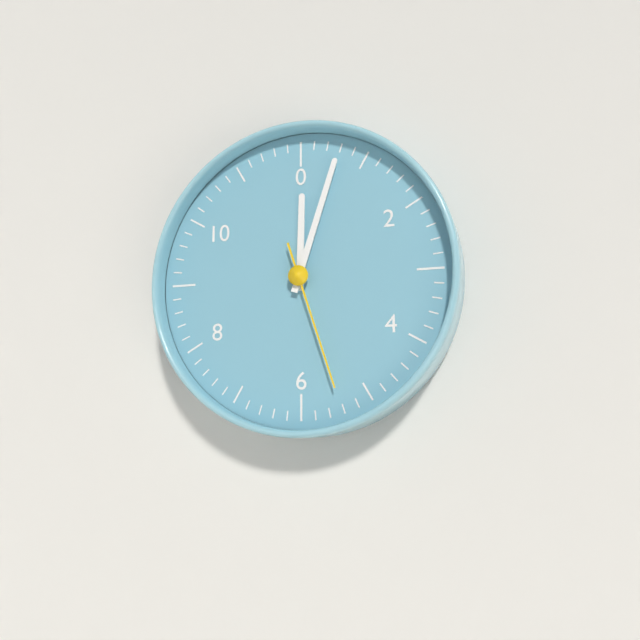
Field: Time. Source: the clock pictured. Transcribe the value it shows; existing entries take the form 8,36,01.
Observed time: 12,03,27
